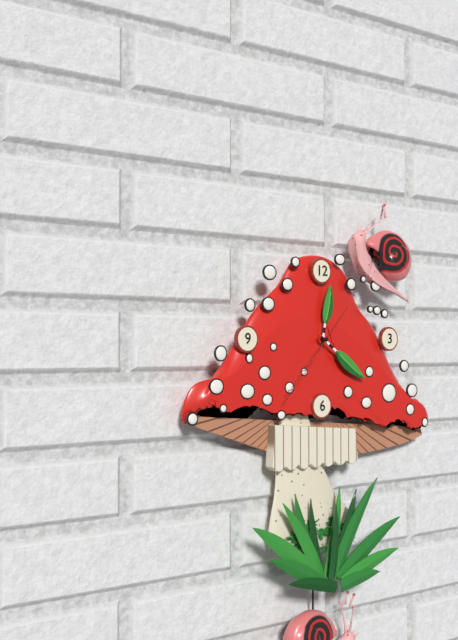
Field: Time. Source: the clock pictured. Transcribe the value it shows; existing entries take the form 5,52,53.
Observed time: 12,21,37
